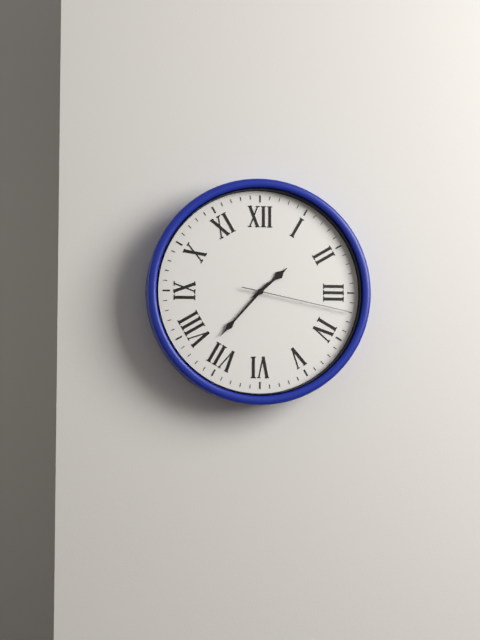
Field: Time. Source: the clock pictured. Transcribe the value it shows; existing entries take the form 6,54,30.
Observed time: 1,37,17
